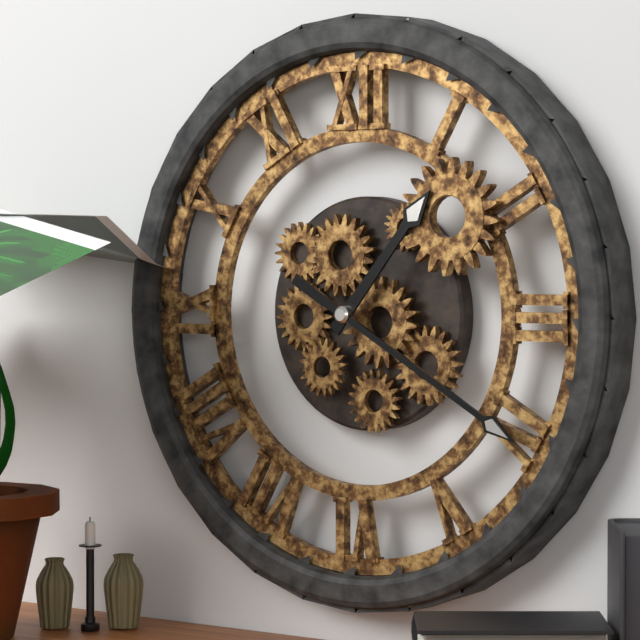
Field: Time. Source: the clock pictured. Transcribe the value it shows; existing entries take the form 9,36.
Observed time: 1,20
